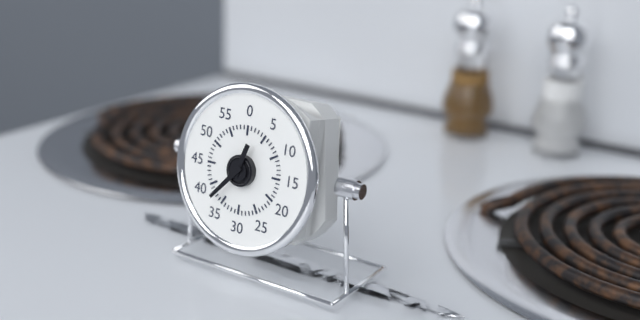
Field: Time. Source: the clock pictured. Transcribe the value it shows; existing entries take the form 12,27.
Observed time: 12,37
